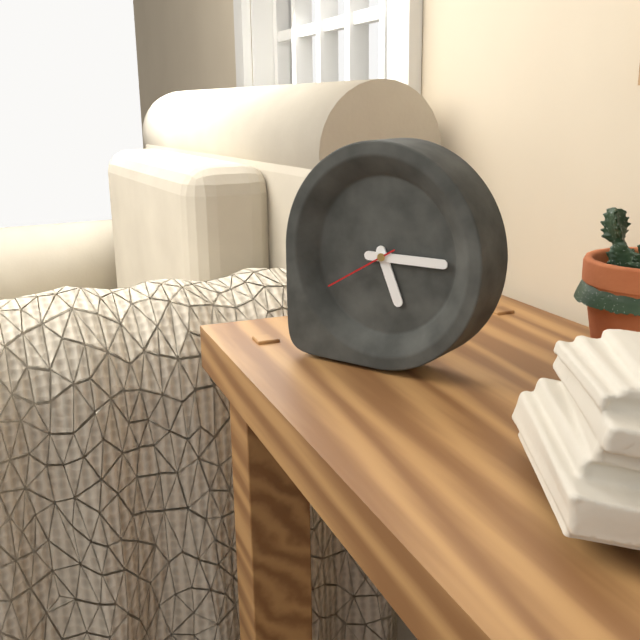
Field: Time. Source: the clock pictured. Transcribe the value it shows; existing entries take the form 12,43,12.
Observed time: 5,15,40
